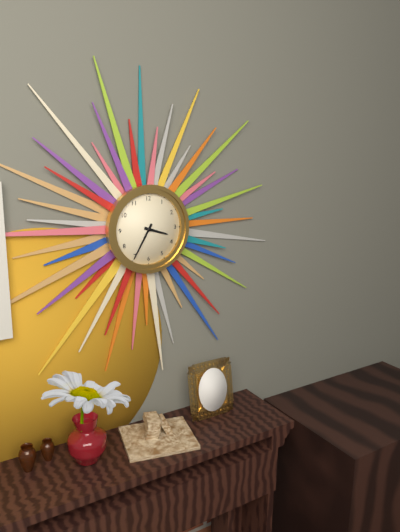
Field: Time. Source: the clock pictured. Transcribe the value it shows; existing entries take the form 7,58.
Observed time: 3,35
